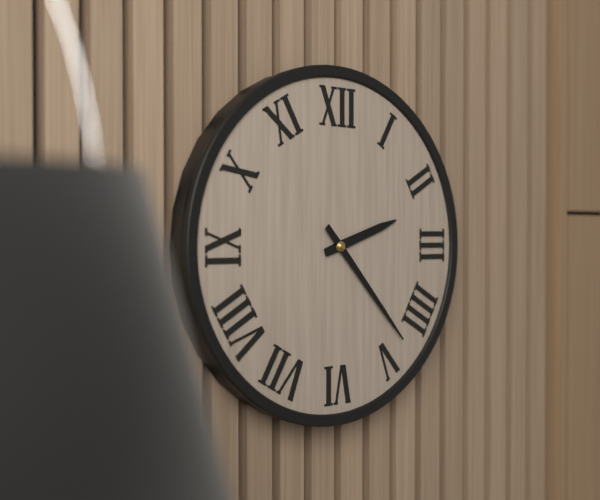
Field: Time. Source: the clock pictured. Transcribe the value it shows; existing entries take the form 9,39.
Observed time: 2,23
